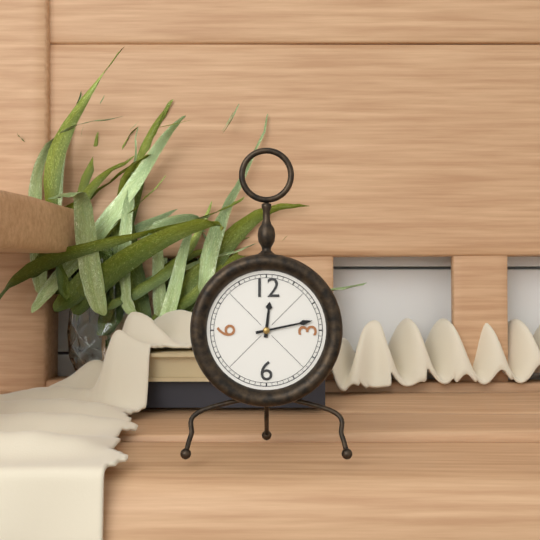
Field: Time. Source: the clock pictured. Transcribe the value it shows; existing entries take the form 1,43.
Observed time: 12,13
